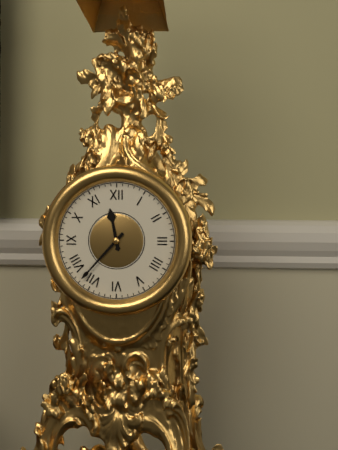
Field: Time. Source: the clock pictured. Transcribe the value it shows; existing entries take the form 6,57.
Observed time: 11,37
